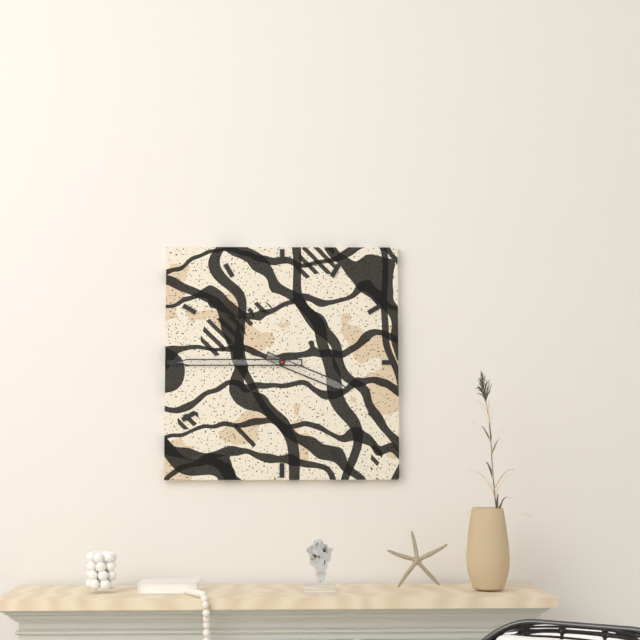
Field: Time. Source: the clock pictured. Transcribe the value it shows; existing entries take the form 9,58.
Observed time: 3,45
